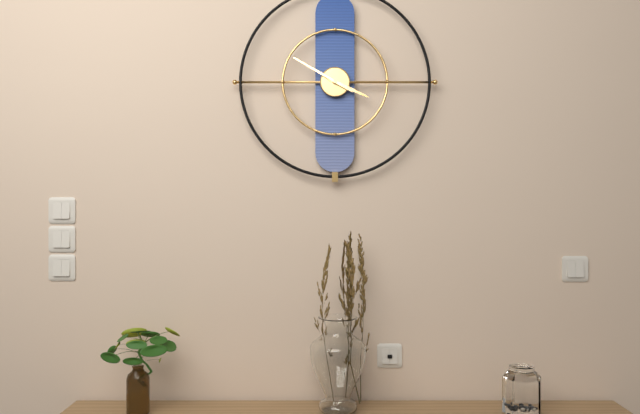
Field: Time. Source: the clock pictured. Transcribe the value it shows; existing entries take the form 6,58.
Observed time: 3,50
